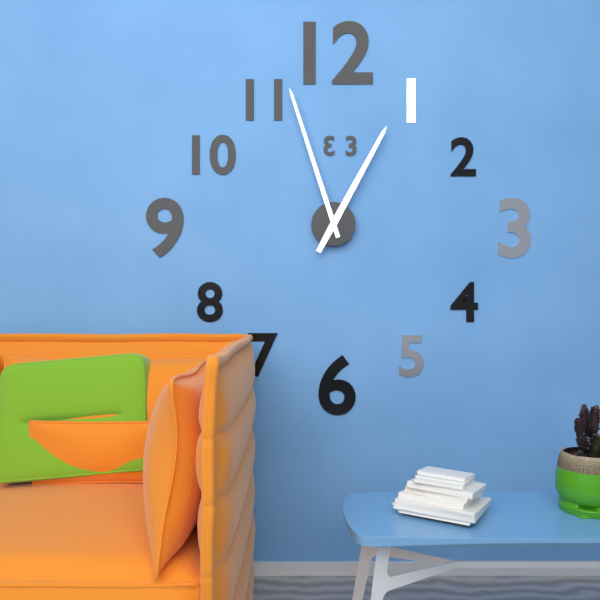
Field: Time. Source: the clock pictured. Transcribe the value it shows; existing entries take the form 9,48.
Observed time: 12,57
